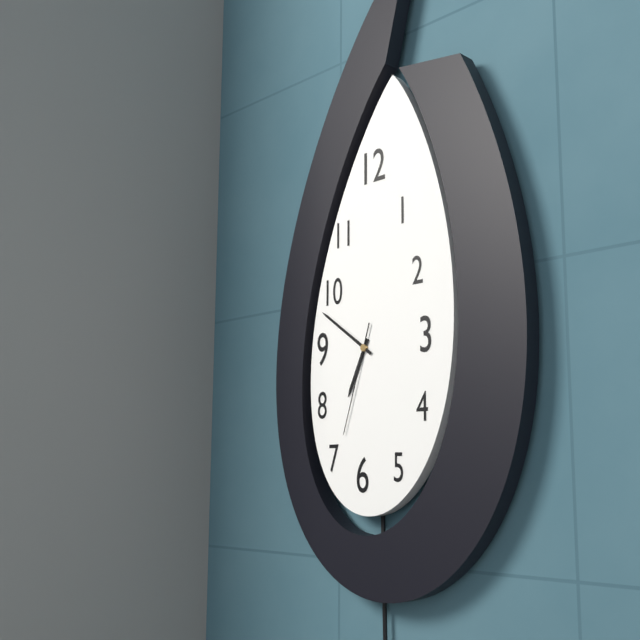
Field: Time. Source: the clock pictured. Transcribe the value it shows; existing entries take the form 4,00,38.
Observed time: 6,51,33
